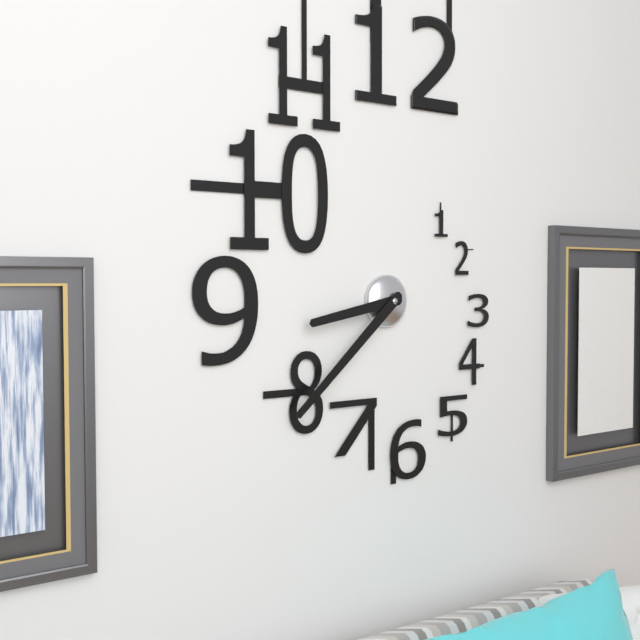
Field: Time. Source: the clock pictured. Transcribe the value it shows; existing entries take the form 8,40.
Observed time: 8,38
